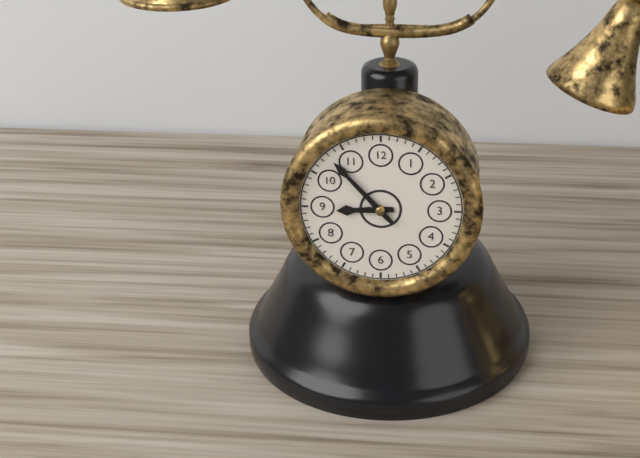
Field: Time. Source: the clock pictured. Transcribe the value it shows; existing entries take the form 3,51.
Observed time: 8,53
